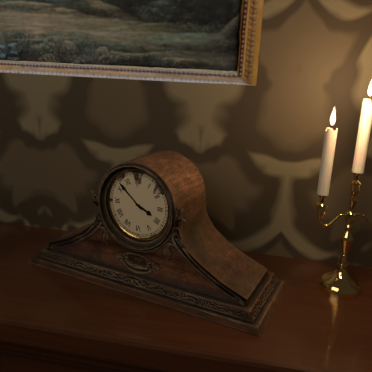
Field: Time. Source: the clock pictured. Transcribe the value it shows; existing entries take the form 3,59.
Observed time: 3,52
